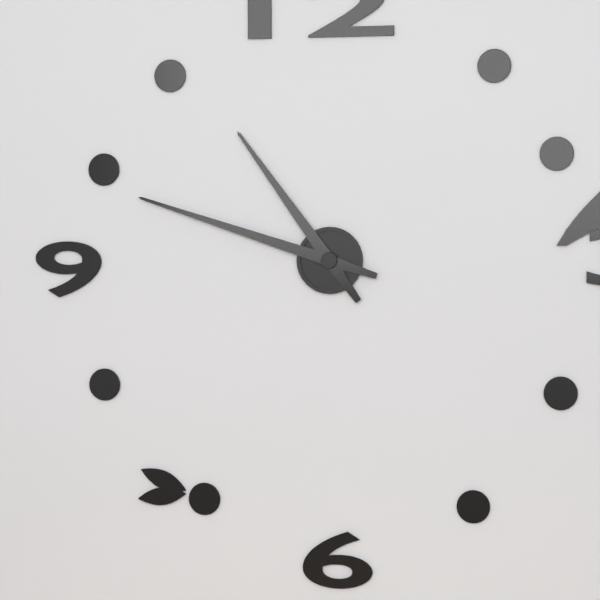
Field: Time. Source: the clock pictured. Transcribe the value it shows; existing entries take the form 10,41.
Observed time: 10,48
